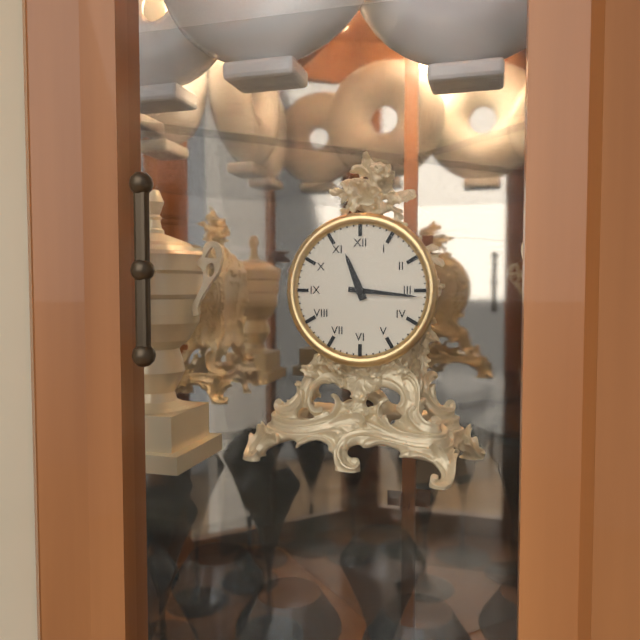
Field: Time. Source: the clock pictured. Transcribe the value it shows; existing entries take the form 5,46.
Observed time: 11,16
